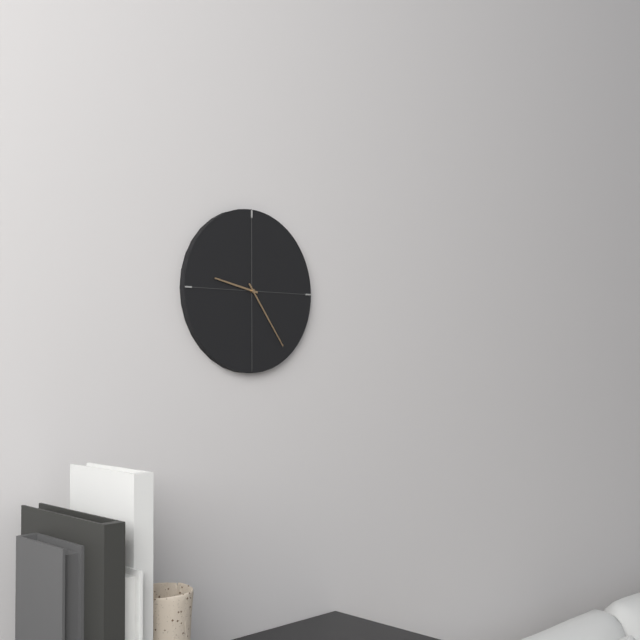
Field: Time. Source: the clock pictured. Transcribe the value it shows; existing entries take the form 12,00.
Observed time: 9,24
